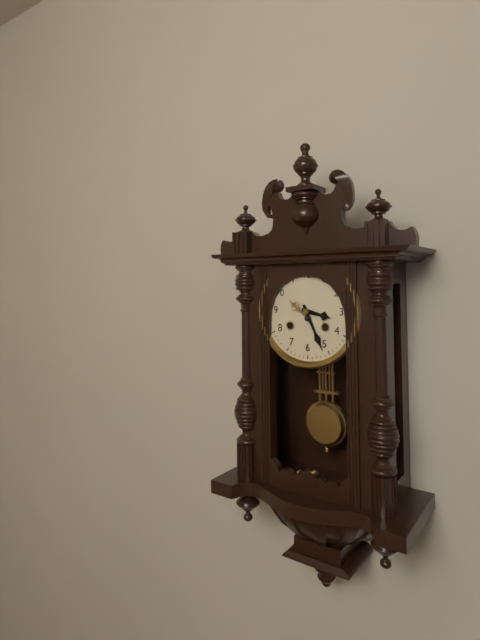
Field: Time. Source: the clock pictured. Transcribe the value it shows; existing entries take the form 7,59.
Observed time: 3,26
